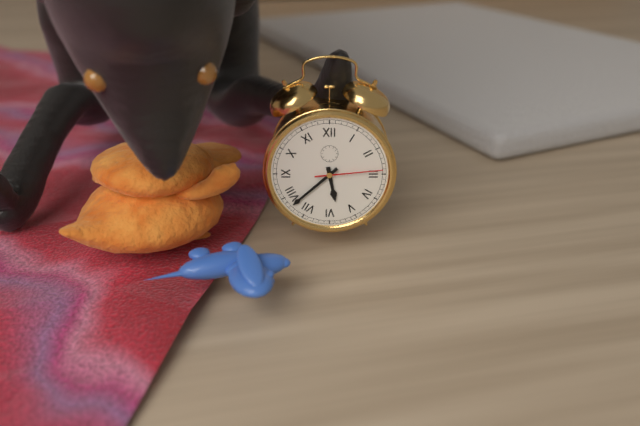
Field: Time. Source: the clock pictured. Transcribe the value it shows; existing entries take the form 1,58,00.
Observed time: 5,38,14
